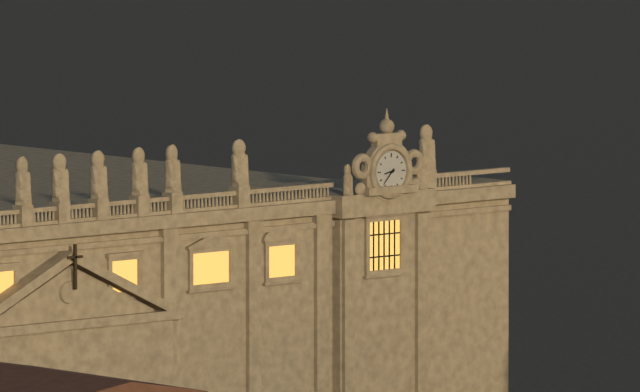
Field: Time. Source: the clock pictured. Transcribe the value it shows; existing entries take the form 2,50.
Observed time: 8,37
